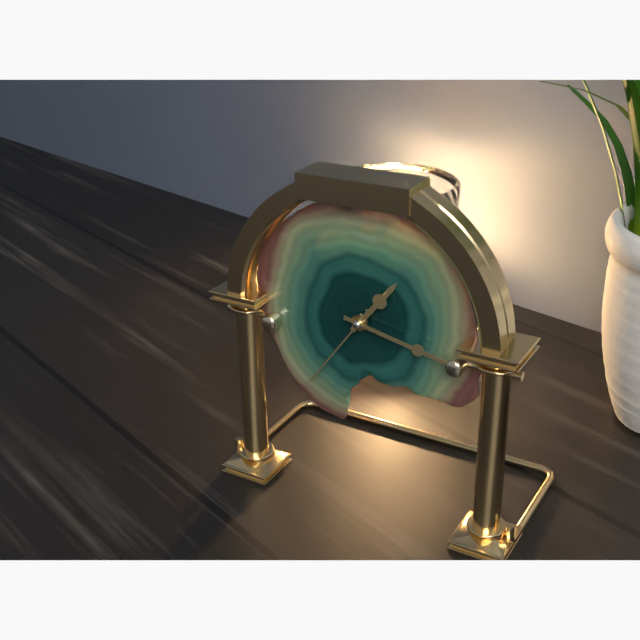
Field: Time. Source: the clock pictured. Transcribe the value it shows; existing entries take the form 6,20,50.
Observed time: 1,17,36
